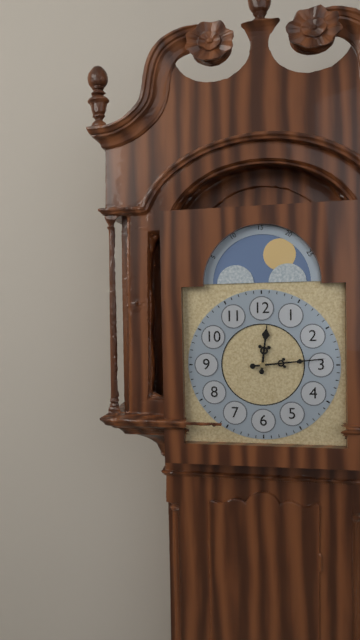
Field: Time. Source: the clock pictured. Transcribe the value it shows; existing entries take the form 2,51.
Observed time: 12,14
